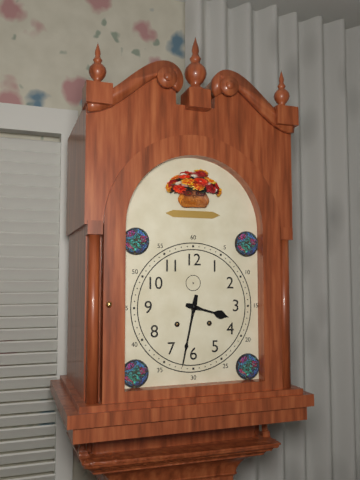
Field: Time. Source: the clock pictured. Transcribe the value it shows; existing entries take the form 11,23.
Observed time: 3,32
